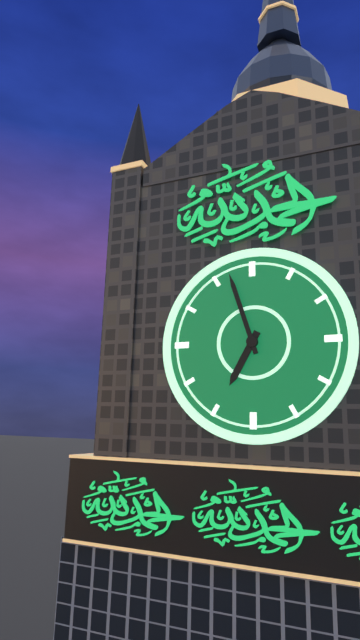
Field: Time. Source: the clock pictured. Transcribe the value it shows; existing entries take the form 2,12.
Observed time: 6,57
